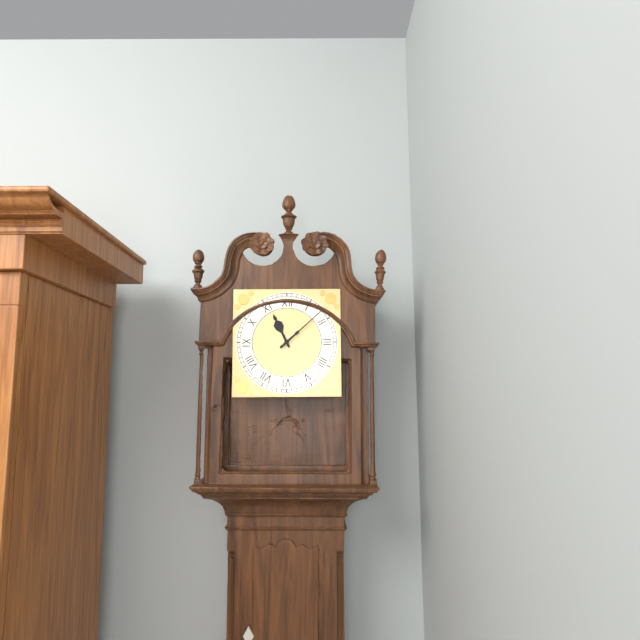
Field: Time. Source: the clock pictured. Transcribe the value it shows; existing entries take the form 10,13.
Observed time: 11,08
